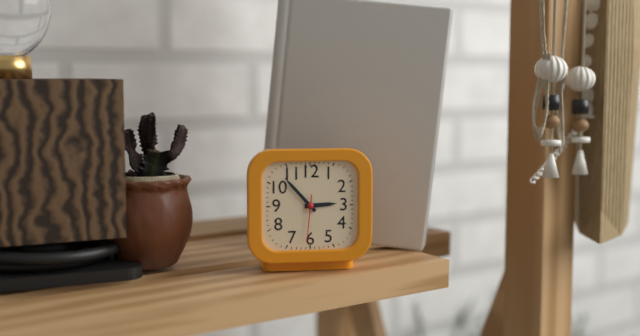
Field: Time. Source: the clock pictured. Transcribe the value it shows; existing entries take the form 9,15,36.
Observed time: 2,53,31
